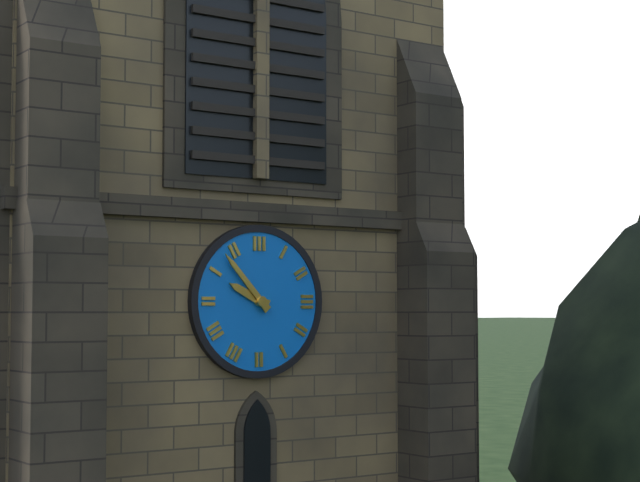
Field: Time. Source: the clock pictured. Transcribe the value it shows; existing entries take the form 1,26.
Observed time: 9,53
